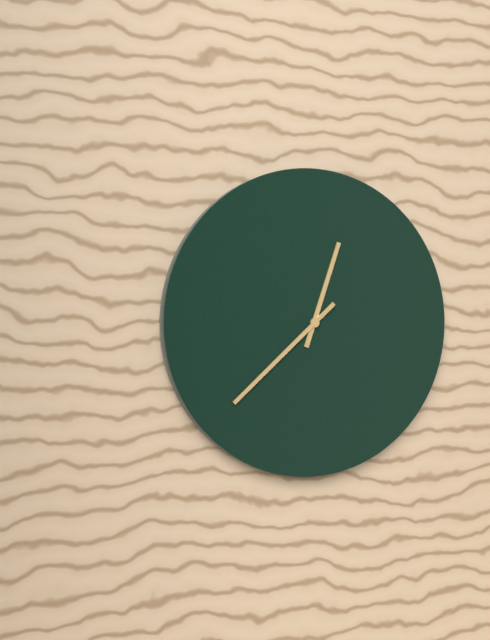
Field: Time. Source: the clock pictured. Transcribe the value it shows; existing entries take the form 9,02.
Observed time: 12,38
